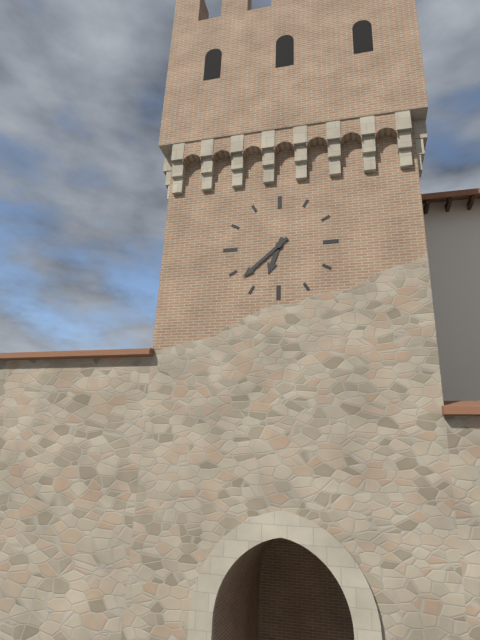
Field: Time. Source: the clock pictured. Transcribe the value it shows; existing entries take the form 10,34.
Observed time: 6,38
